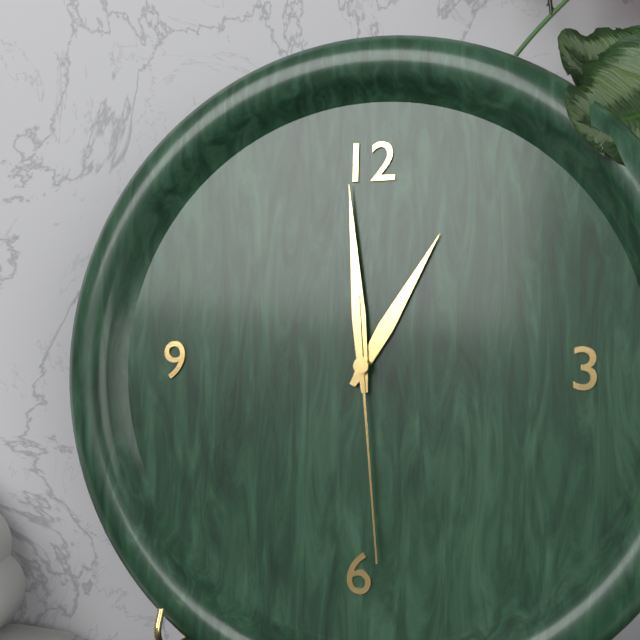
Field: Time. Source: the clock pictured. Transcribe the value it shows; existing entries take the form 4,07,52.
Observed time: 12,59,29
